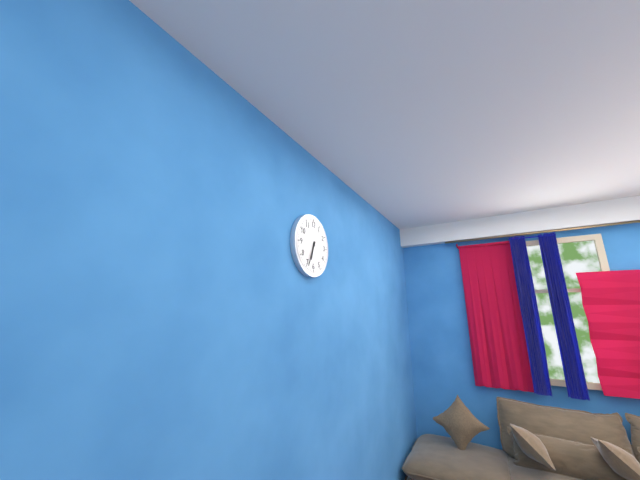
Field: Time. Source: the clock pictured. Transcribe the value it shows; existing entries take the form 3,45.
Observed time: 6,34
